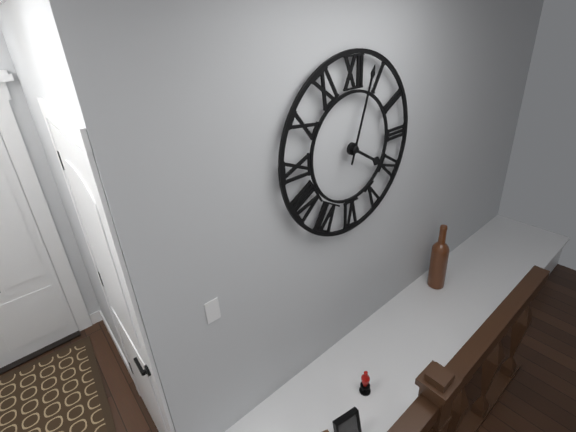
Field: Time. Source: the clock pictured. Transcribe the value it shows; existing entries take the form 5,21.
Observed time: 4,03
